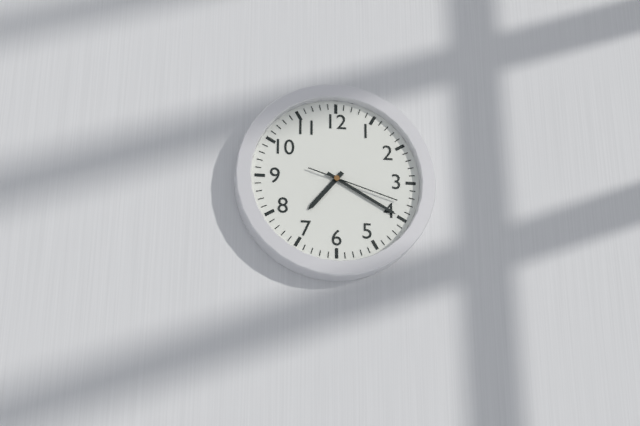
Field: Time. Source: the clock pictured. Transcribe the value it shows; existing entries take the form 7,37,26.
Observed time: 7,20,18
